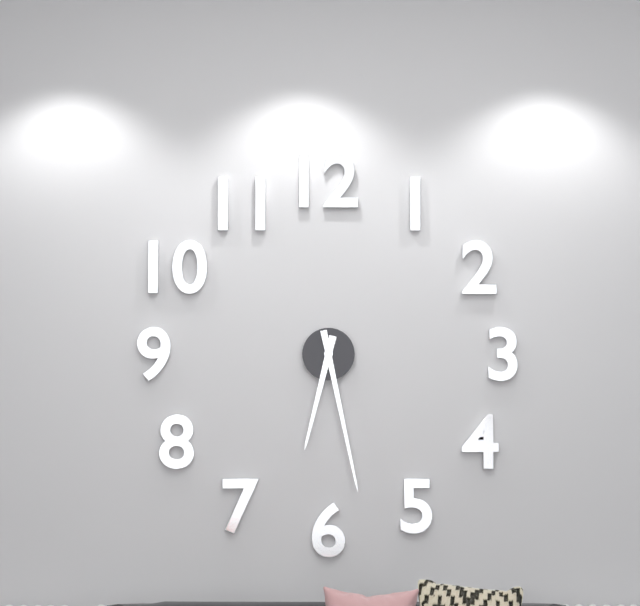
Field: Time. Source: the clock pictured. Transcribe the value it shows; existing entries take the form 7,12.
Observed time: 6,28
